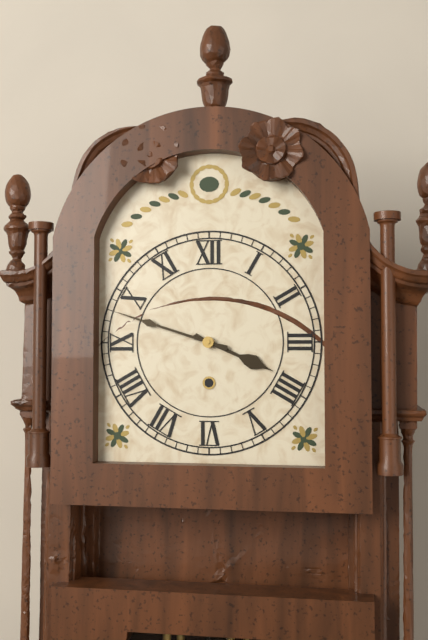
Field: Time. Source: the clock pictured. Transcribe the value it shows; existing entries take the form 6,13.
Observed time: 3,48
